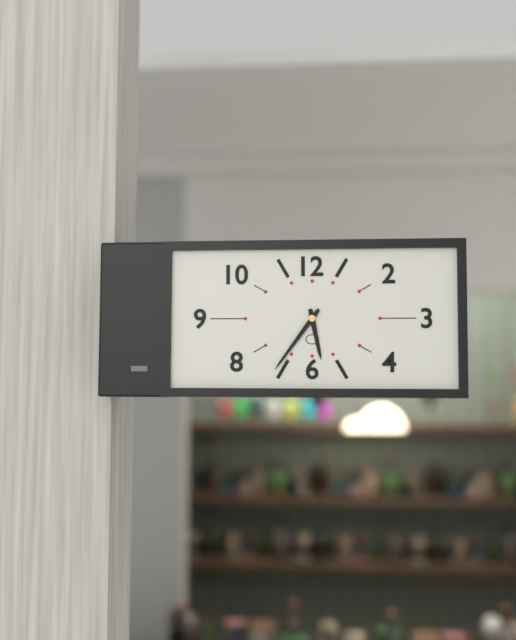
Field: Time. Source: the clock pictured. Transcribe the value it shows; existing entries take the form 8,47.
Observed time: 5,36
